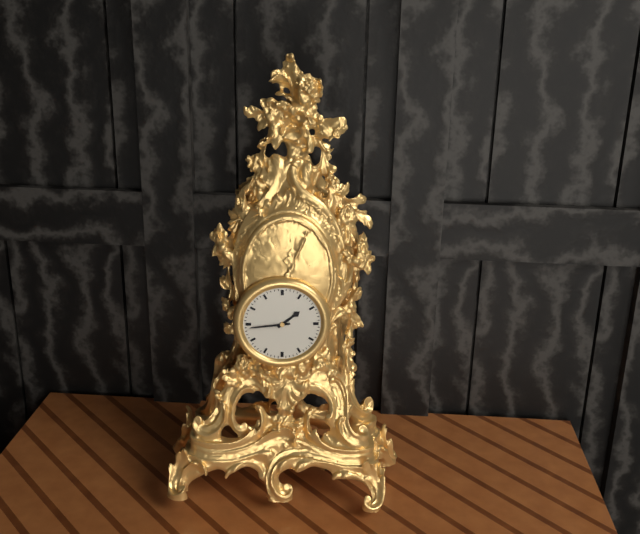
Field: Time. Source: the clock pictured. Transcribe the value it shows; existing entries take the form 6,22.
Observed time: 1,44
